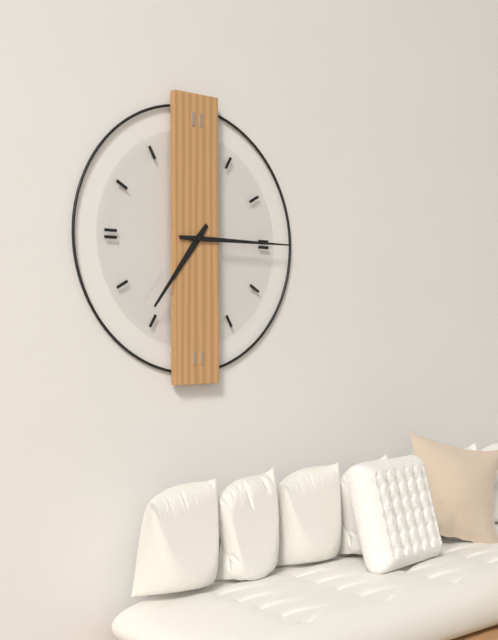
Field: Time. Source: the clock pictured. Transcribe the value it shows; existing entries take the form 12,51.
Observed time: 7,15
